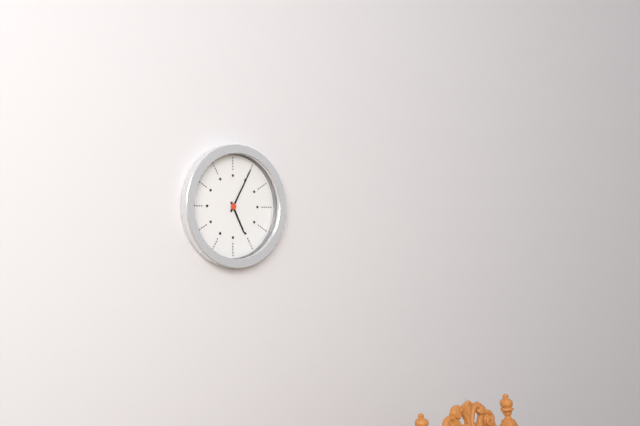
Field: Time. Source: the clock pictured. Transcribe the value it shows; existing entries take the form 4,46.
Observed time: 5,05
